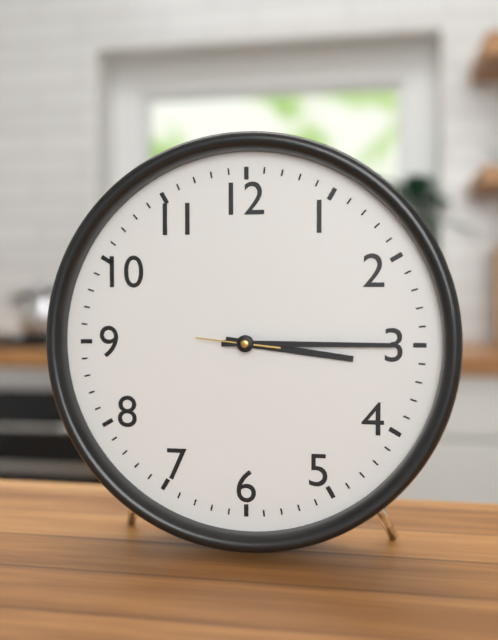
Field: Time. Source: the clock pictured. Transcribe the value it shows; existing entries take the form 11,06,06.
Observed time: 3,15,46
